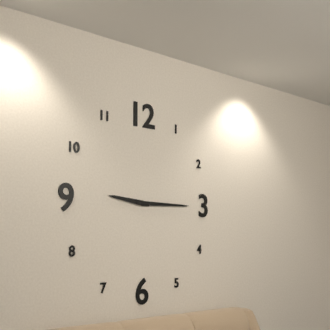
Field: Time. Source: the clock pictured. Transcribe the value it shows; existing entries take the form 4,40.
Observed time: 9,15
